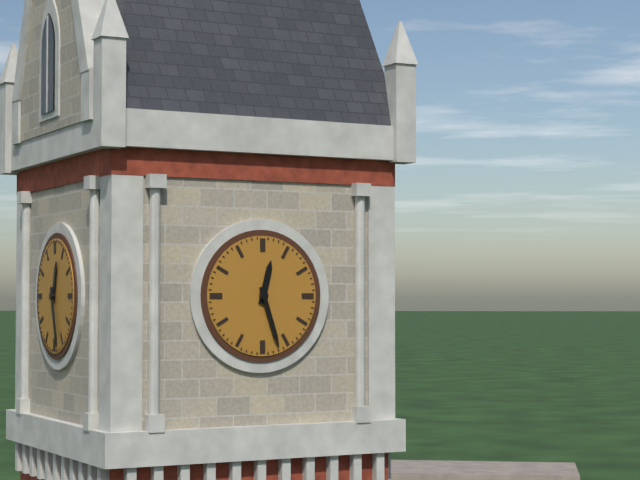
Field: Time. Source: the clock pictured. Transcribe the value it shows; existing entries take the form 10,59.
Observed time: 12,27
